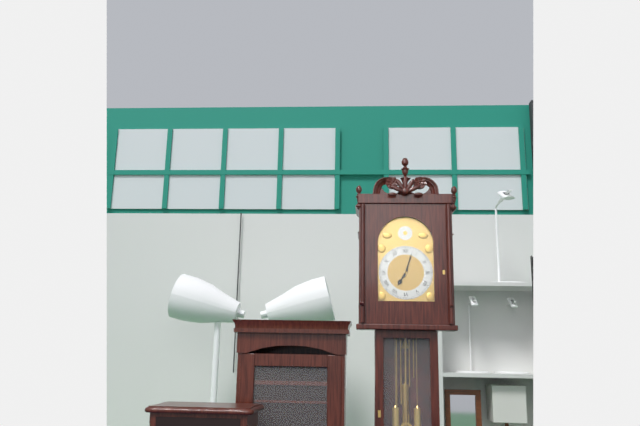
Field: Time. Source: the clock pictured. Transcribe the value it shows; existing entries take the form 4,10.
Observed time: 7,03
